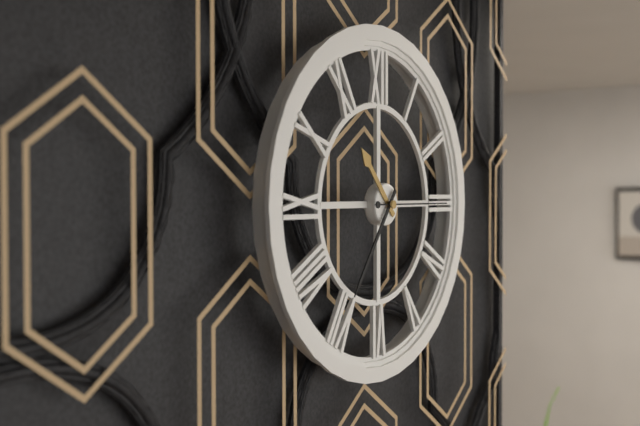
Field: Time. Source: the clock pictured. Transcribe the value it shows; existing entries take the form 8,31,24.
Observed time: 10,36,15
